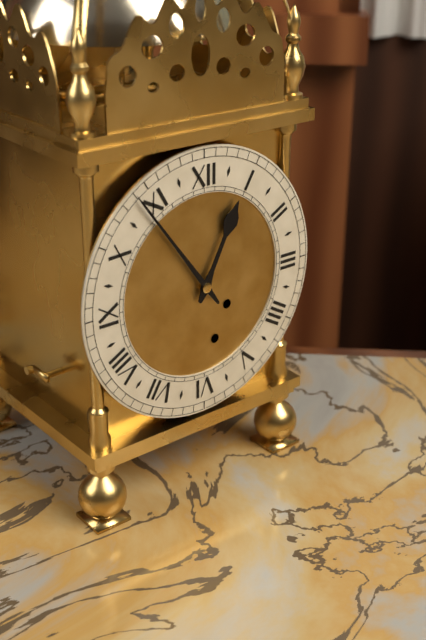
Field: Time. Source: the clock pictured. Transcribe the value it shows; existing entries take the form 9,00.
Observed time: 12,54
